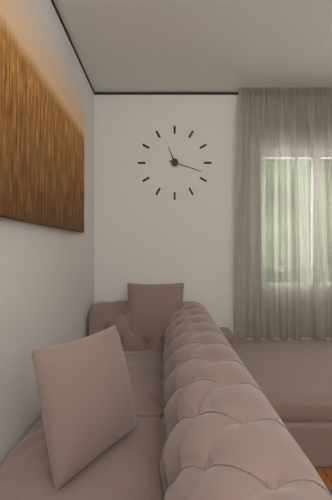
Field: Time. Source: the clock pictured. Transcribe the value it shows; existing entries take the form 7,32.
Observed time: 11,18
